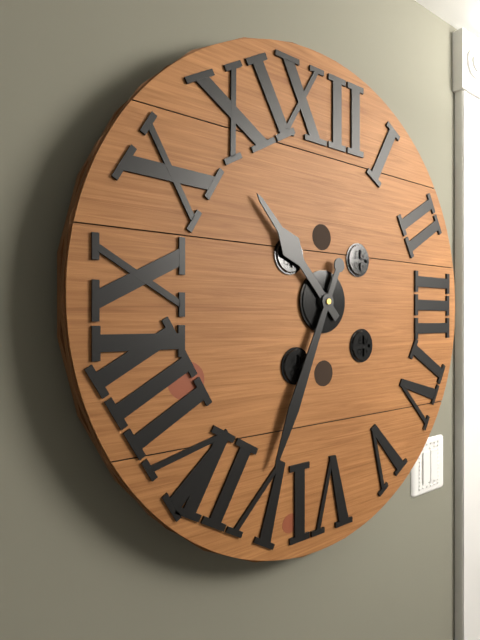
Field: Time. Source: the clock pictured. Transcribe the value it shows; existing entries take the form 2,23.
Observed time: 10,34
